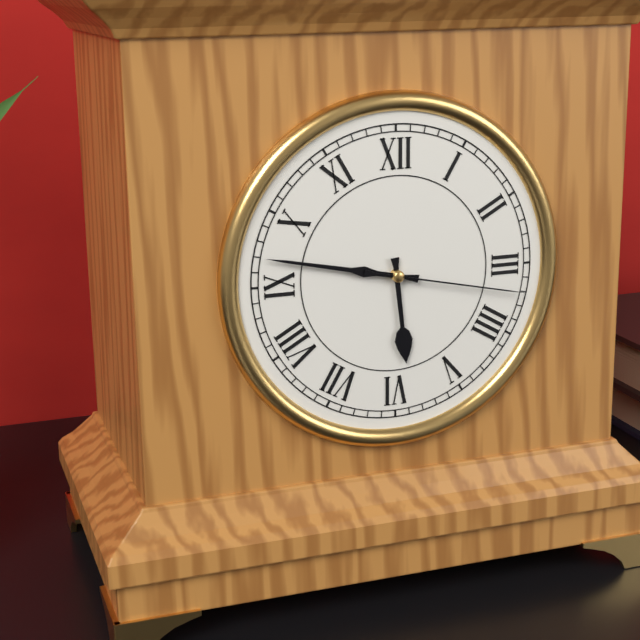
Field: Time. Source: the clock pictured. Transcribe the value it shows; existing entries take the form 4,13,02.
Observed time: 5,47,17
